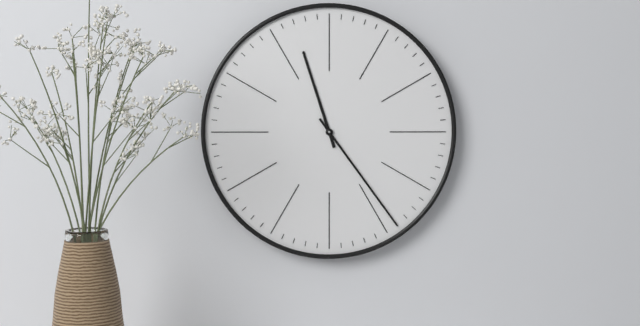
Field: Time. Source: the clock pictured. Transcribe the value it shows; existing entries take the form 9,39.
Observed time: 11,24
